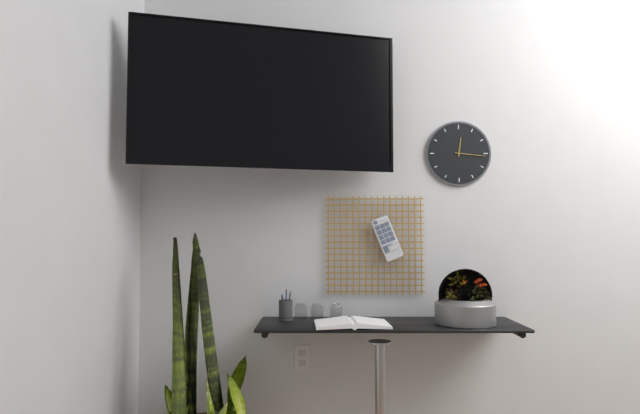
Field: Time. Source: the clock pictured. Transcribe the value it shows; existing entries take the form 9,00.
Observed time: 12,16
